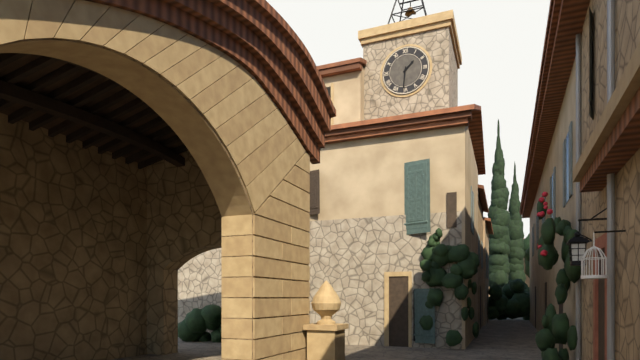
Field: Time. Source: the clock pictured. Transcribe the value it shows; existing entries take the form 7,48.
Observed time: 1,31
